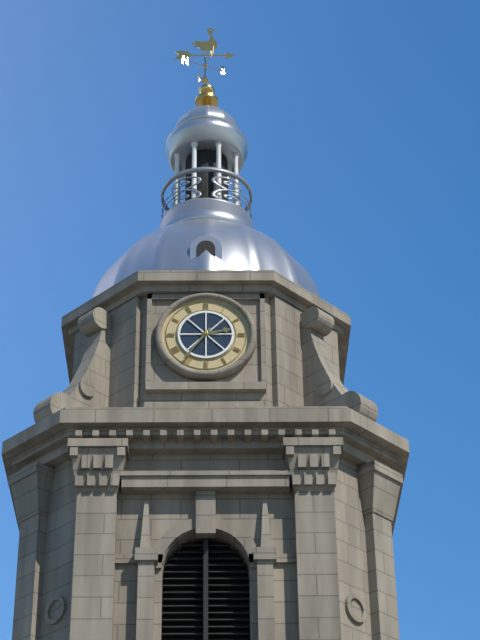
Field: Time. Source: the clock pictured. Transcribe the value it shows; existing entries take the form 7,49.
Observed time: 2,36
